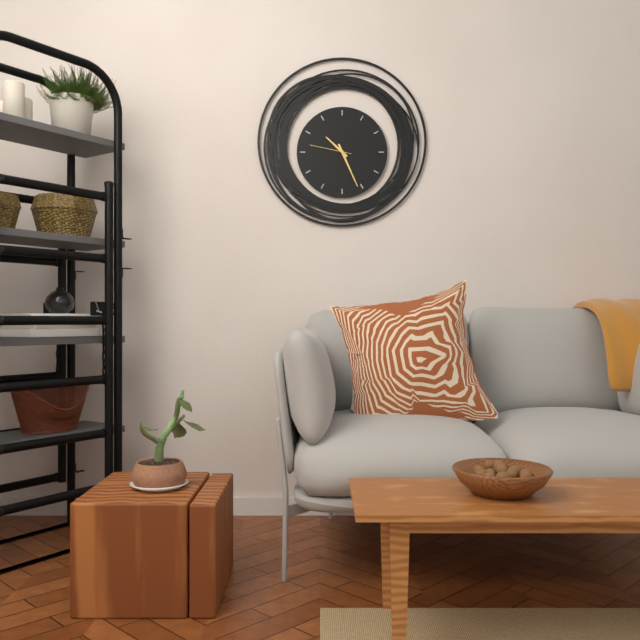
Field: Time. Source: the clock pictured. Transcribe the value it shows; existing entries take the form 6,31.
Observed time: 10,26
